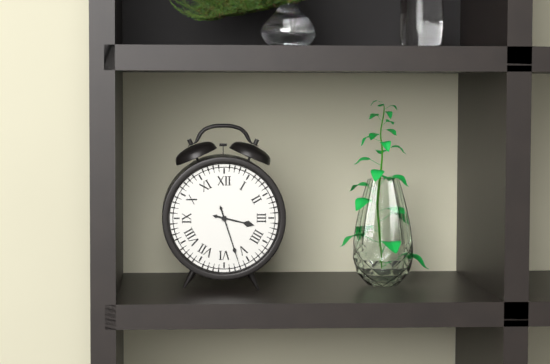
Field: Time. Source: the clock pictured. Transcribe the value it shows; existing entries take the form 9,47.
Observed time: 3,27
